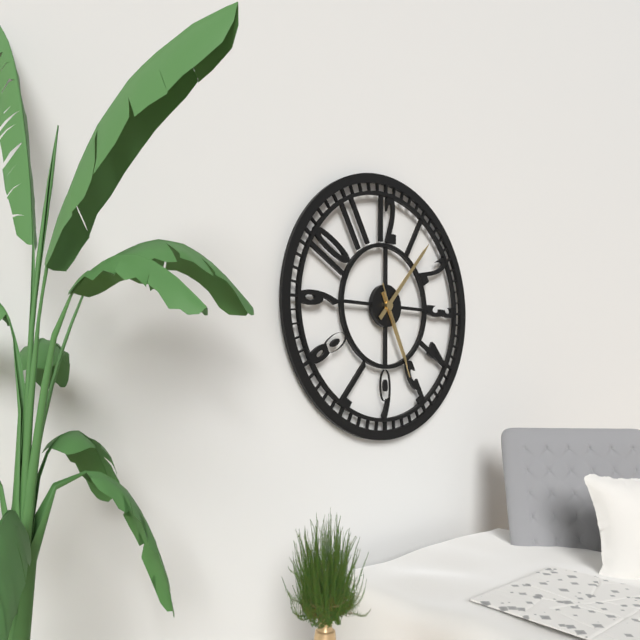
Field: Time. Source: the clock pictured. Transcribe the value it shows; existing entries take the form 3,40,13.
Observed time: 5,07,26
